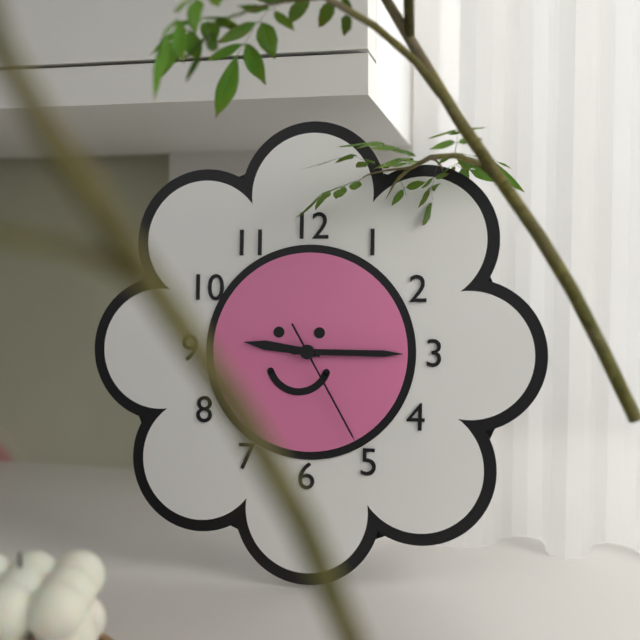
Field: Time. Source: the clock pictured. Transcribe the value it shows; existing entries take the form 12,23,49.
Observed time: 9,15,25
